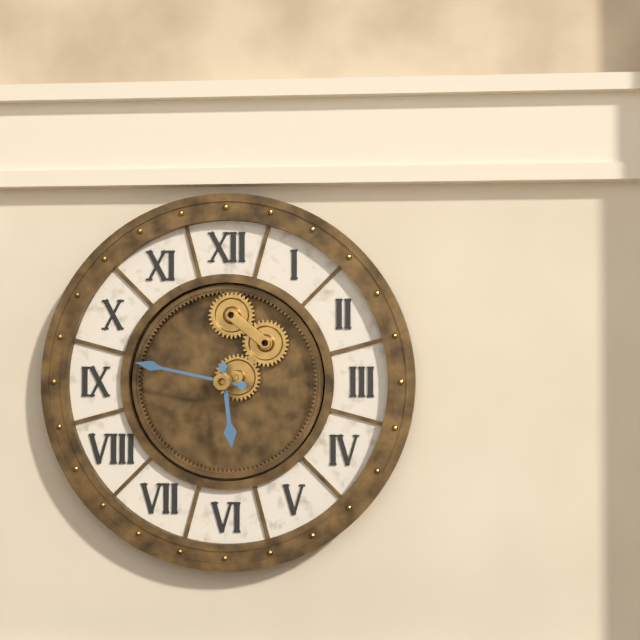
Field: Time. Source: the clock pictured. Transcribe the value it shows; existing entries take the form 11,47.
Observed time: 5,47
